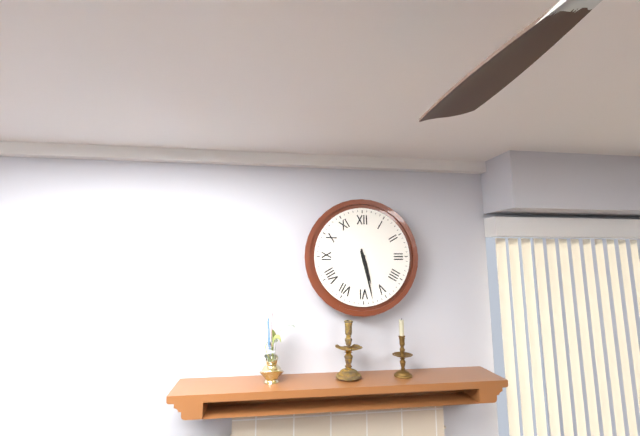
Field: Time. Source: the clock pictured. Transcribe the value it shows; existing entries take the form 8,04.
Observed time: 5,28
